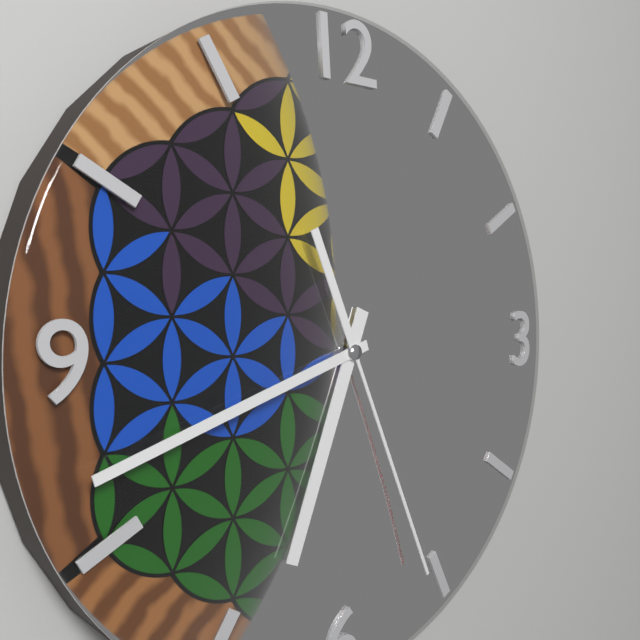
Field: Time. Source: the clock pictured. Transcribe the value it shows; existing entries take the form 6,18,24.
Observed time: 6,42,26
